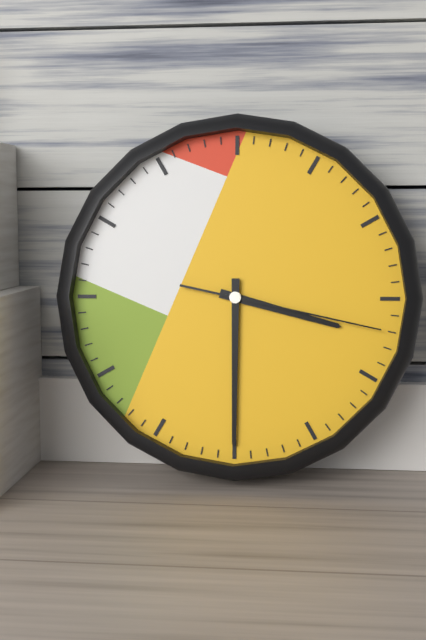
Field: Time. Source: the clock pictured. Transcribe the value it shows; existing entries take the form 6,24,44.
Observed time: 3,30,17
